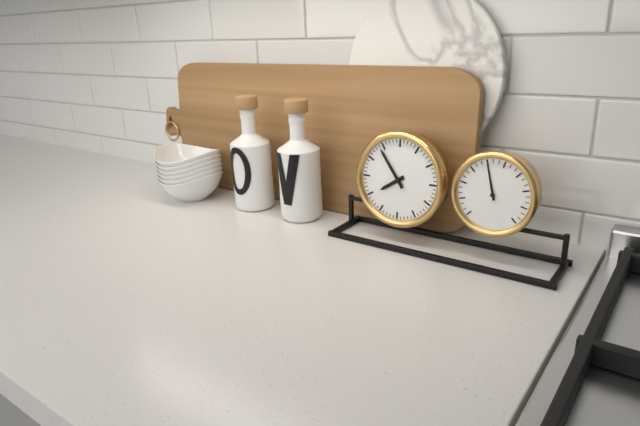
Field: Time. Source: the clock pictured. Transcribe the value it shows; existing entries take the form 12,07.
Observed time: 7,54
